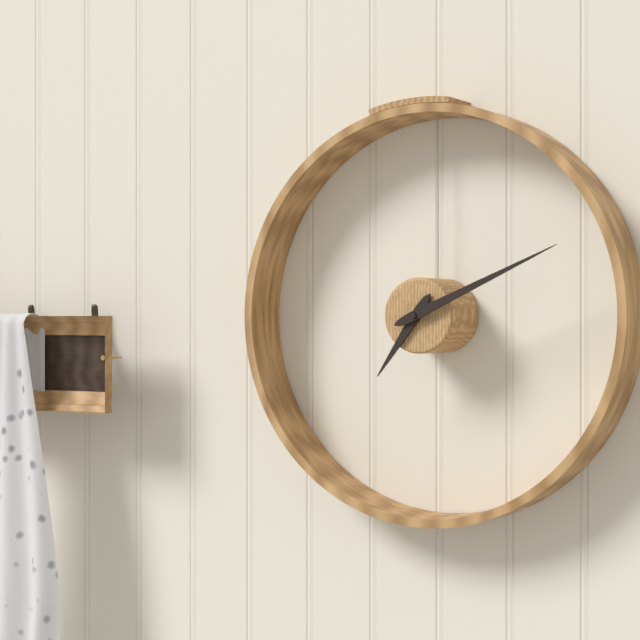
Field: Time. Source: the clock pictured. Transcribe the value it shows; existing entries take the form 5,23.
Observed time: 7,11
